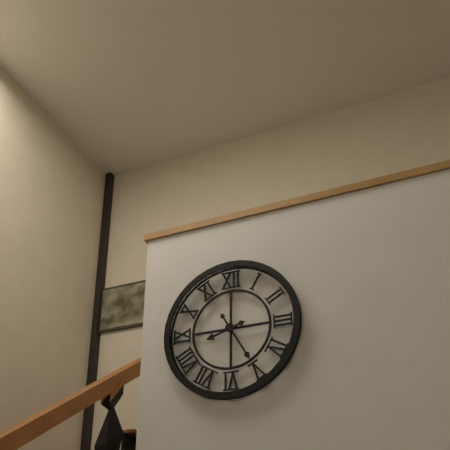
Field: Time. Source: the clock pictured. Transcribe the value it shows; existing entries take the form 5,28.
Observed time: 8,25
